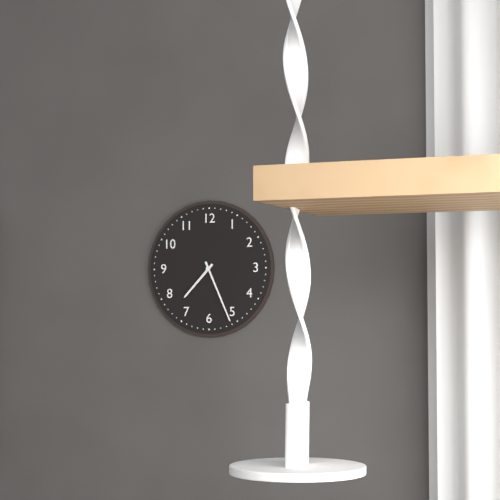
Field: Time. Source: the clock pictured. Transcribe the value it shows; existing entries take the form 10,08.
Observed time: 7,26
